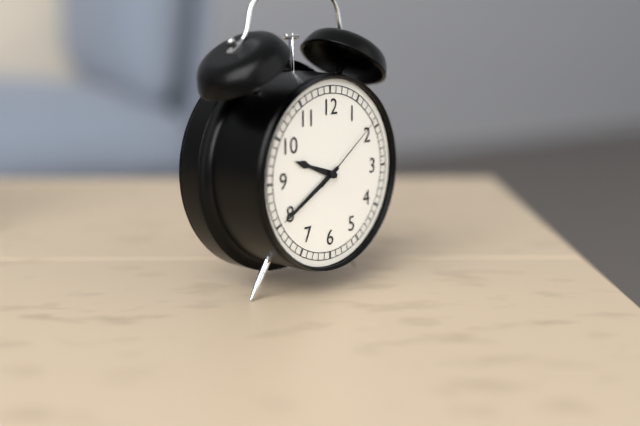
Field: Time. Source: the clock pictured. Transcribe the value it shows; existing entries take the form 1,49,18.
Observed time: 9,40,09
